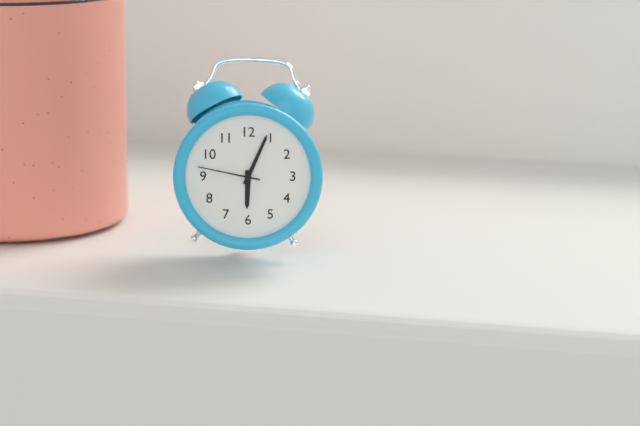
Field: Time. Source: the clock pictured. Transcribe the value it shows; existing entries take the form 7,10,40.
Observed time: 6,04,47
